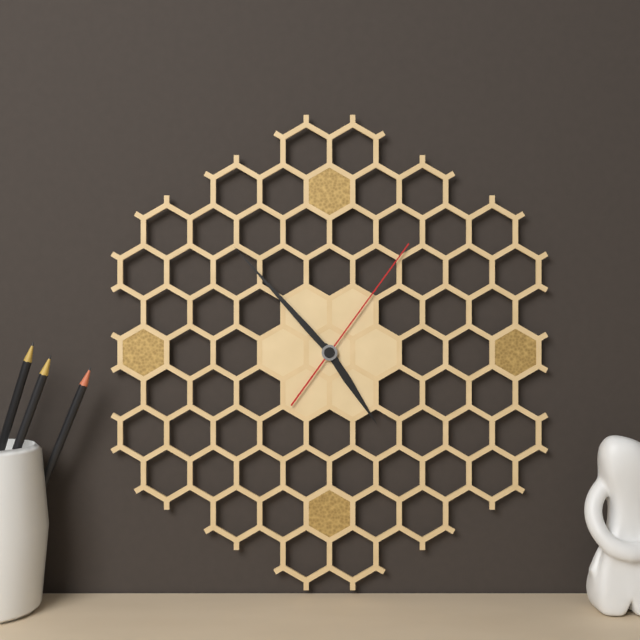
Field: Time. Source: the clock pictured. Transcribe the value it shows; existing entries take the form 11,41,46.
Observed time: 4,53,06
